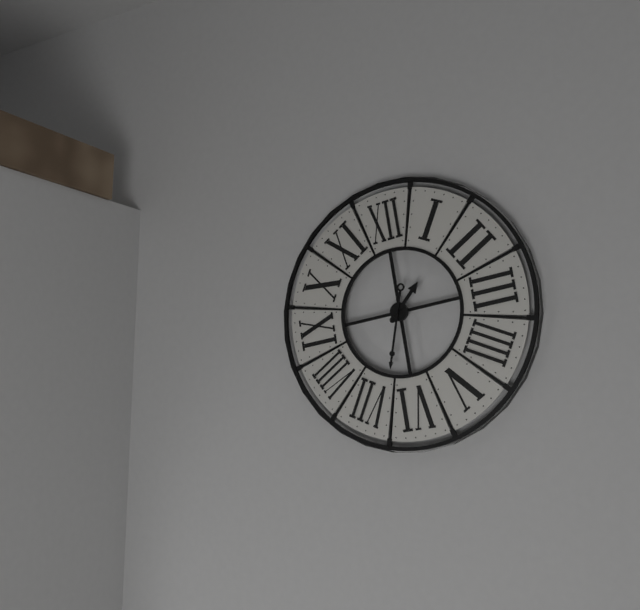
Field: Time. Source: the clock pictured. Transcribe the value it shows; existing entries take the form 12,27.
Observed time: 1,33
